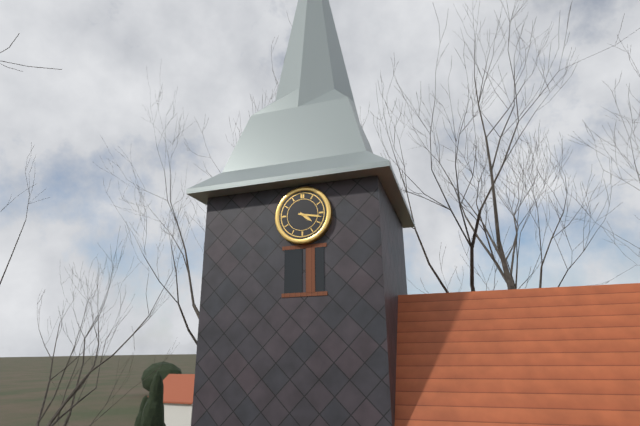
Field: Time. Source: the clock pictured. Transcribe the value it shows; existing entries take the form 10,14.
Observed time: 4,17
